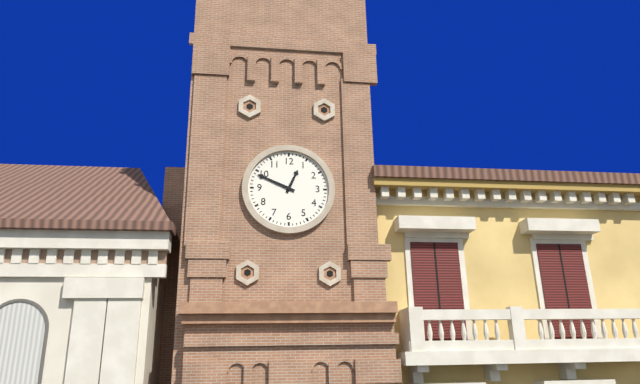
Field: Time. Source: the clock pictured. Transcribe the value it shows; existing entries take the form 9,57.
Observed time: 12,49
